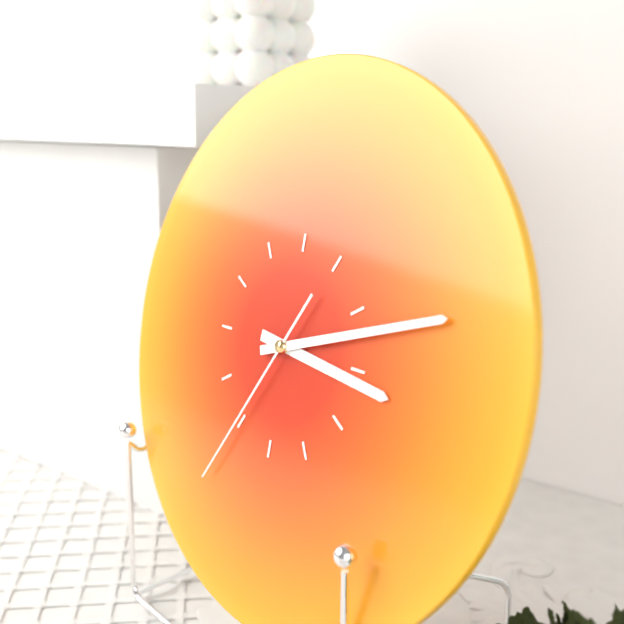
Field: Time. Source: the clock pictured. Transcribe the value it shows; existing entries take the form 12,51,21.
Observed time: 3,12,35
